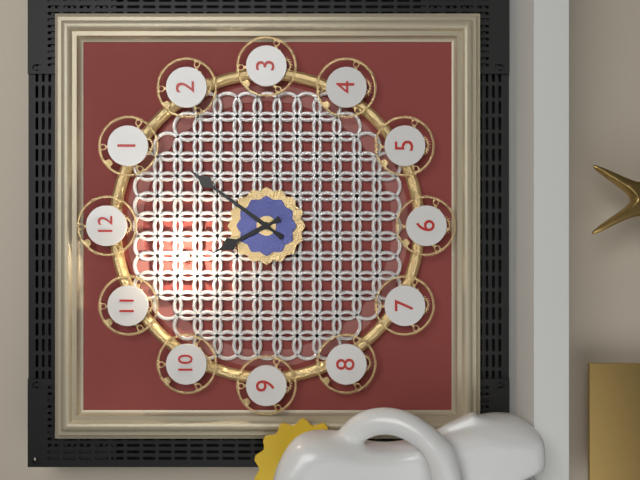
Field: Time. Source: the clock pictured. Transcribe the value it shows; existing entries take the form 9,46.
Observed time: 11,06
